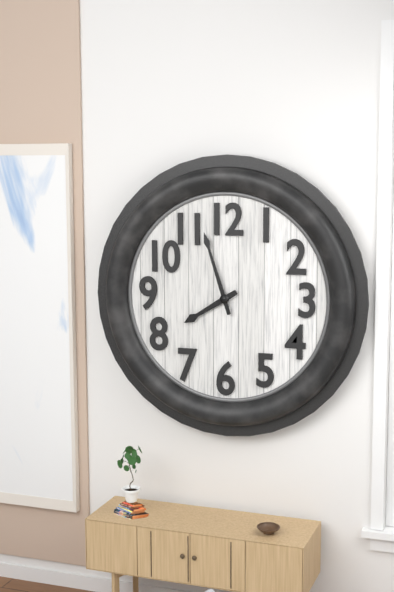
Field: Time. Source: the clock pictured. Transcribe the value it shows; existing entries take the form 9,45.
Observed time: 7,57
